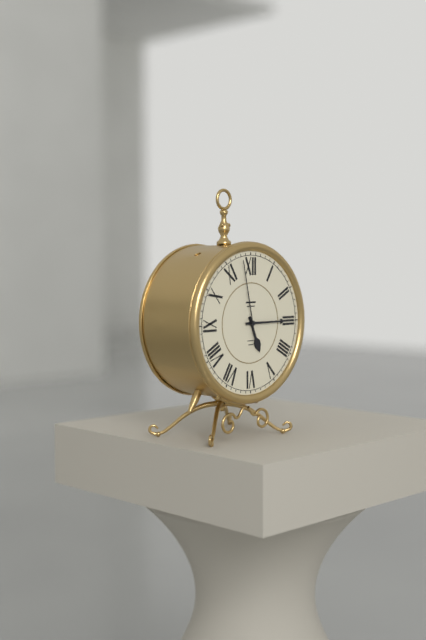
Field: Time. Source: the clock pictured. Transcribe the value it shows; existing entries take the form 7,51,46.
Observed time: 5,15,58
